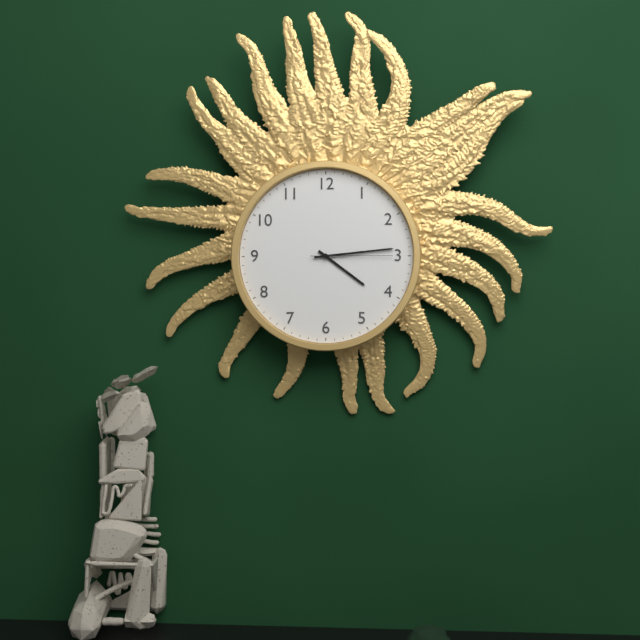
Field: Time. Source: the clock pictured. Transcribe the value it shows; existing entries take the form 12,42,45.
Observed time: 4,14,15
